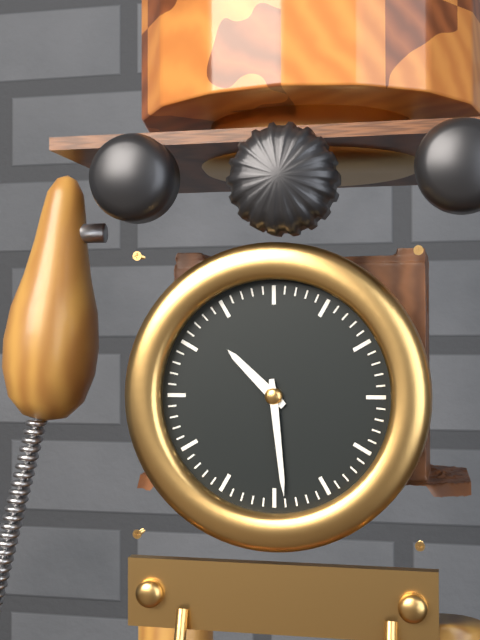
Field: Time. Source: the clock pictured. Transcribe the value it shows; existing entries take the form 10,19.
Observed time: 10,29
